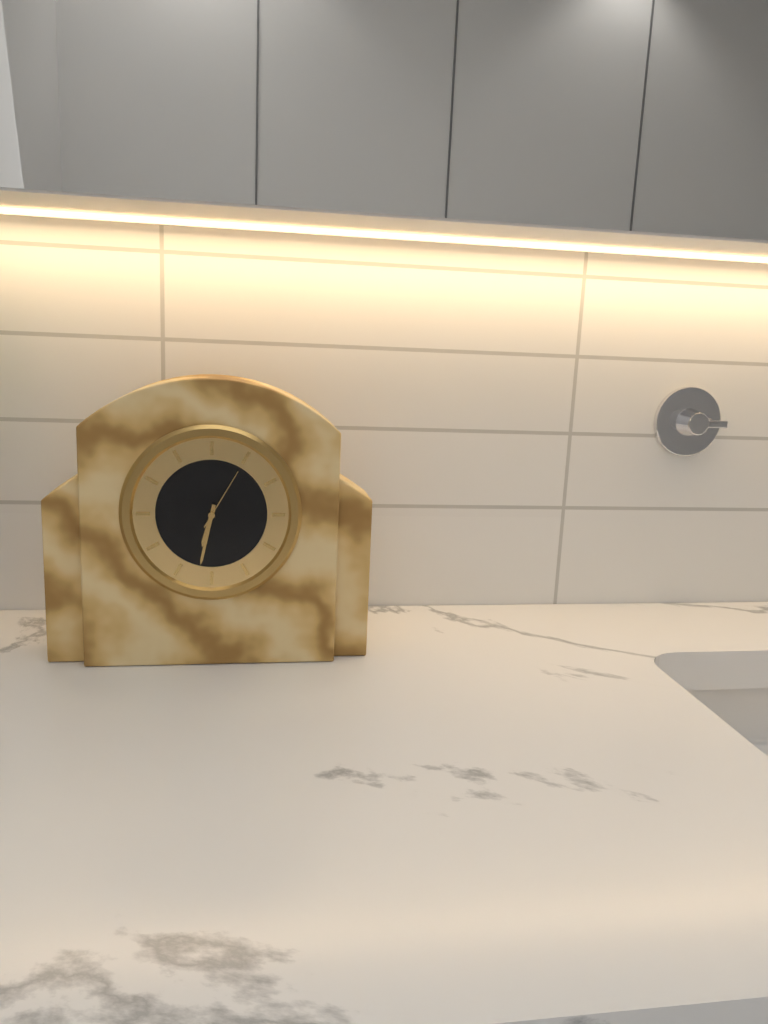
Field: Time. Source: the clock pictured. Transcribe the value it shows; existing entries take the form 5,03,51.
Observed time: 6,32,05
